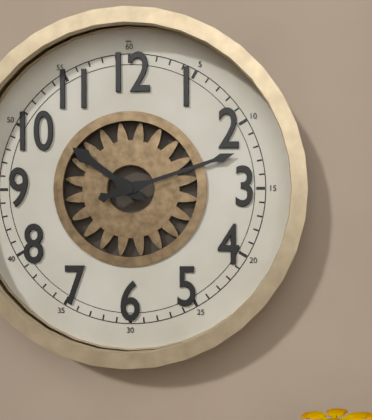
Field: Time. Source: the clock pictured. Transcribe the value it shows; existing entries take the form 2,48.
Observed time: 10,12
